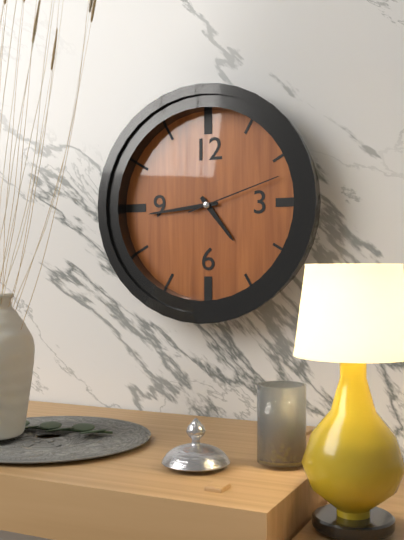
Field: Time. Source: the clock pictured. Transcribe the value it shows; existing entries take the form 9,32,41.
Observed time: 4,44,12
